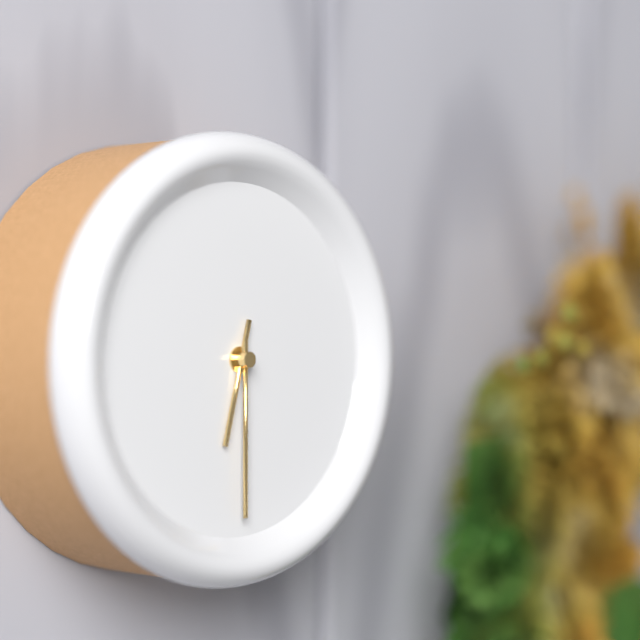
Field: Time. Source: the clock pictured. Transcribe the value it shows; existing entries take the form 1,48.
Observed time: 6,30
